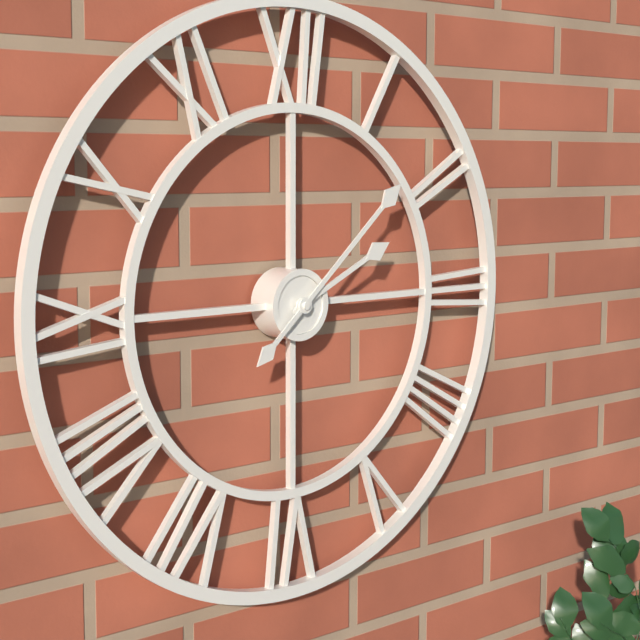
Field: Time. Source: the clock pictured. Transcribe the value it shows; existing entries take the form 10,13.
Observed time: 2,08
